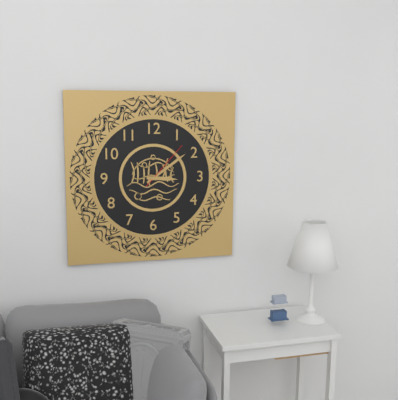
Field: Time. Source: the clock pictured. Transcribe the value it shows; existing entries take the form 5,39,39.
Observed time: 3,09,07
